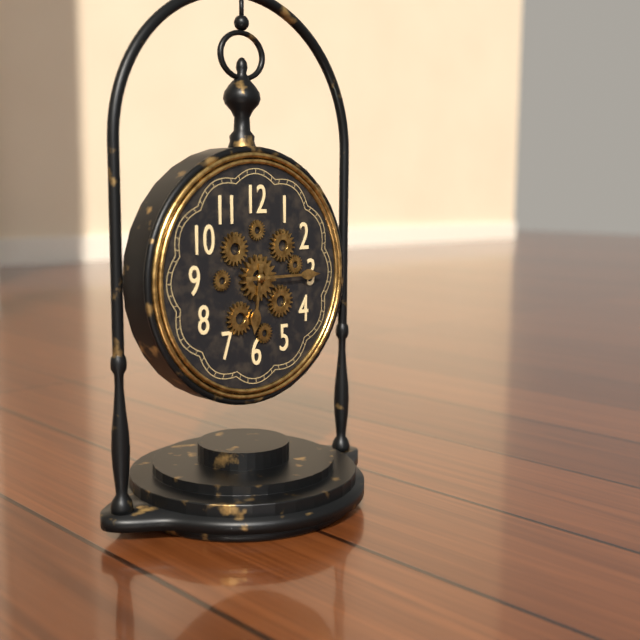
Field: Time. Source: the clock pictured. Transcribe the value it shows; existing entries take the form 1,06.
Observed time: 6,15
